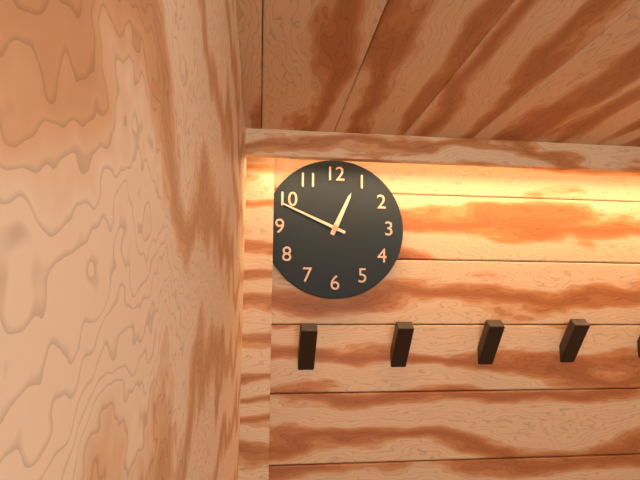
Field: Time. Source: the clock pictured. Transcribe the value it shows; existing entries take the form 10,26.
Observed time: 12,49
